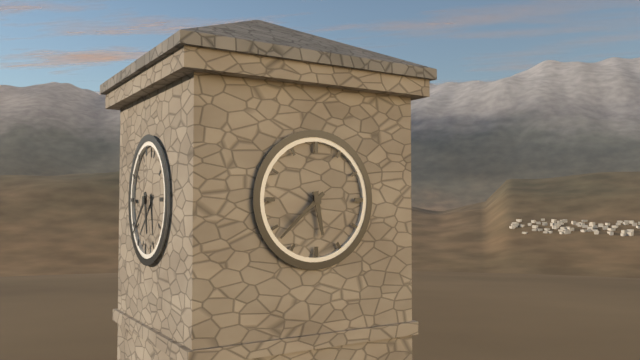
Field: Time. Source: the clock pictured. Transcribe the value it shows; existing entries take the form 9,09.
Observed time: 5,38
